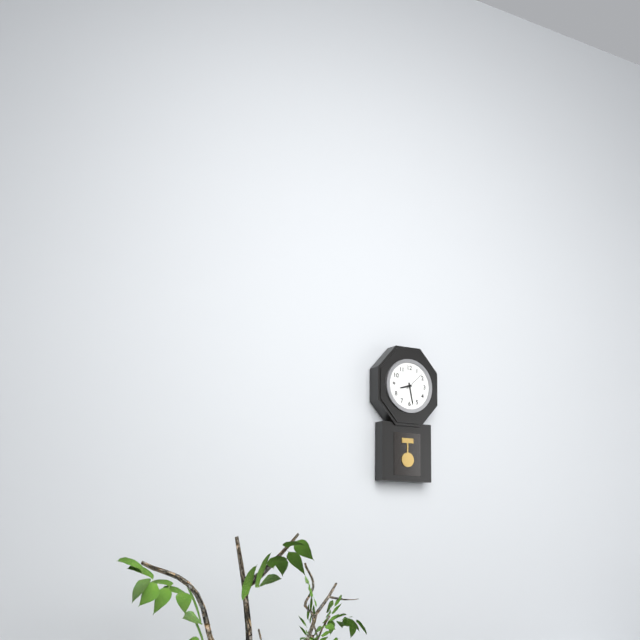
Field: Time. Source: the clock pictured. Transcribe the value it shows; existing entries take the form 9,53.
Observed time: 8,28
